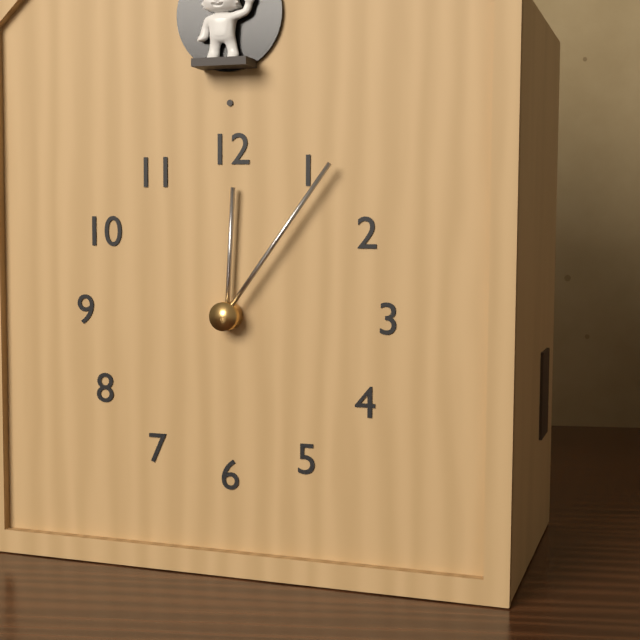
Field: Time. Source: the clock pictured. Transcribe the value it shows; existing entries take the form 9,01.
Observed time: 12,06
